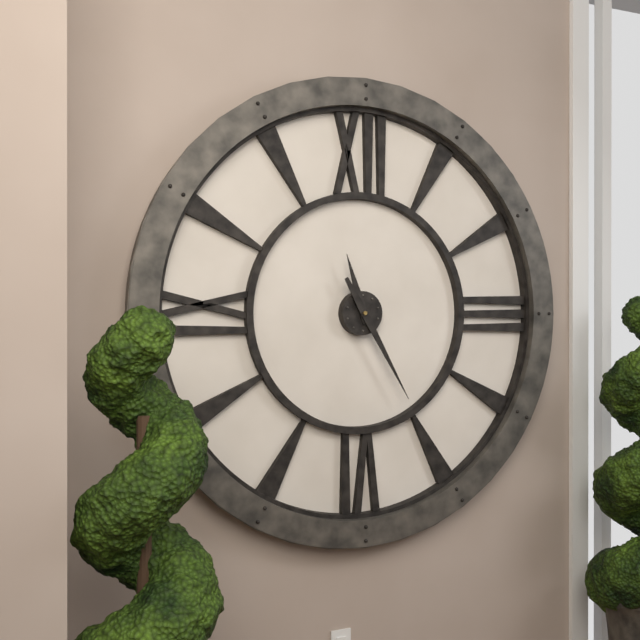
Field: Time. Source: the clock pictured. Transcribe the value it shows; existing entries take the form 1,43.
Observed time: 11,25
